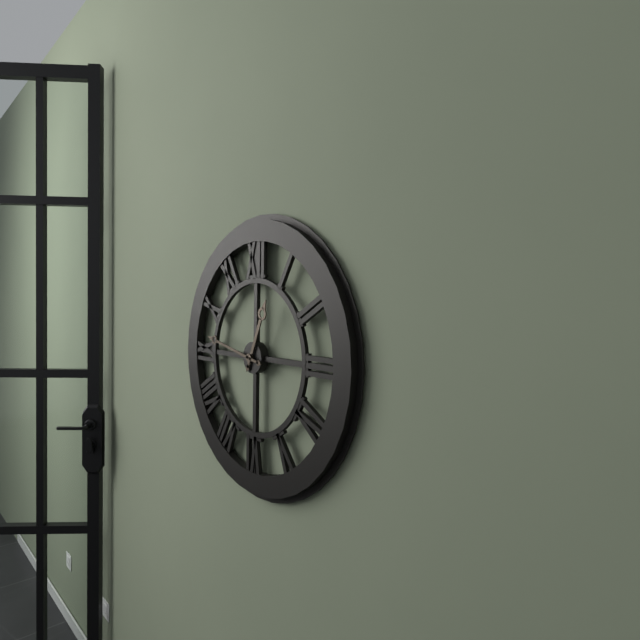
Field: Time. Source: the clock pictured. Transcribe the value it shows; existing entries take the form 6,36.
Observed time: 12,47
